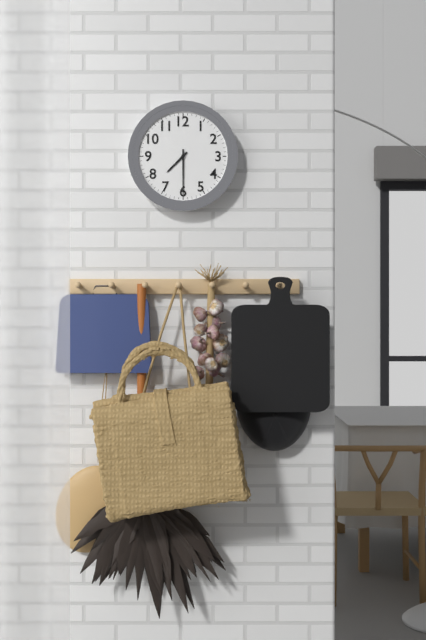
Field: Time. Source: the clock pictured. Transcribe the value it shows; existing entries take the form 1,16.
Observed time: 7,30
